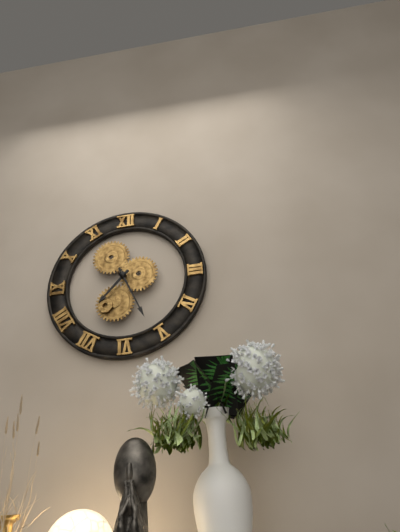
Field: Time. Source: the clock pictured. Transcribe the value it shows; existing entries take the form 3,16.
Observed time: 7,26
